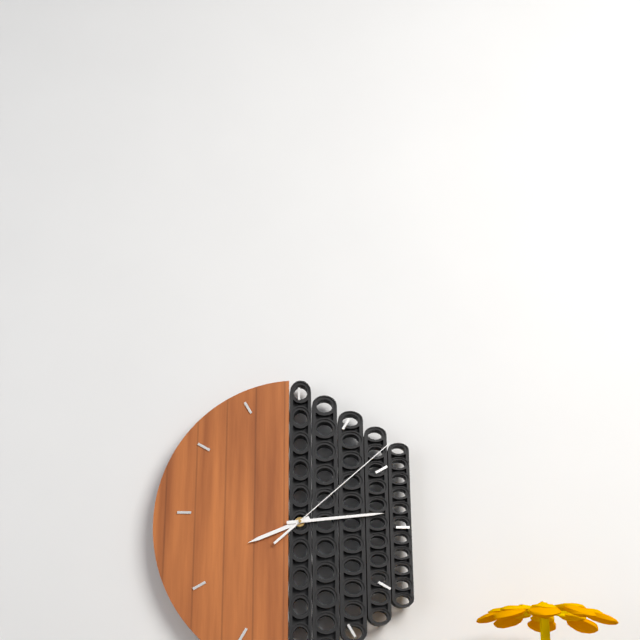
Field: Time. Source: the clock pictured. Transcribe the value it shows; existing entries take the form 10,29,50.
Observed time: 8,14,08
